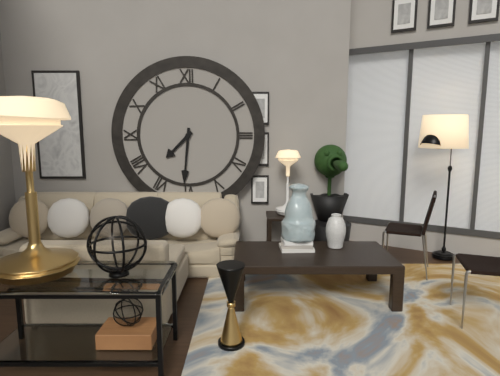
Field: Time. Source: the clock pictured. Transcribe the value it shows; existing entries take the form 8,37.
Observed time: 7,31
